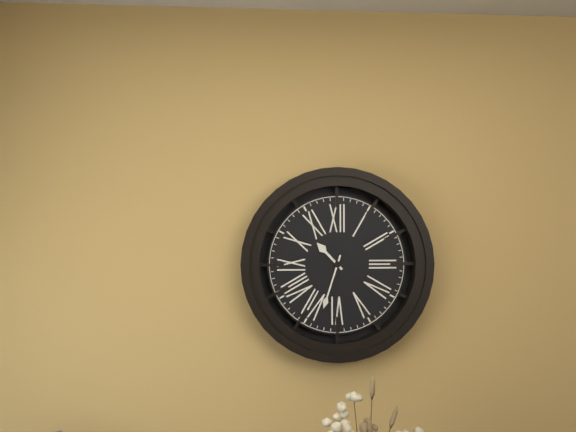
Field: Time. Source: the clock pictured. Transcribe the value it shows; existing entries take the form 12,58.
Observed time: 10,33
